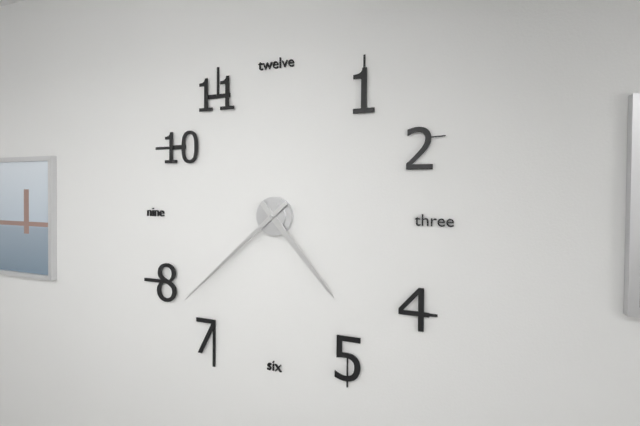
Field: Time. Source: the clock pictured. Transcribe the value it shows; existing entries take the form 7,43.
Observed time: 4,38
